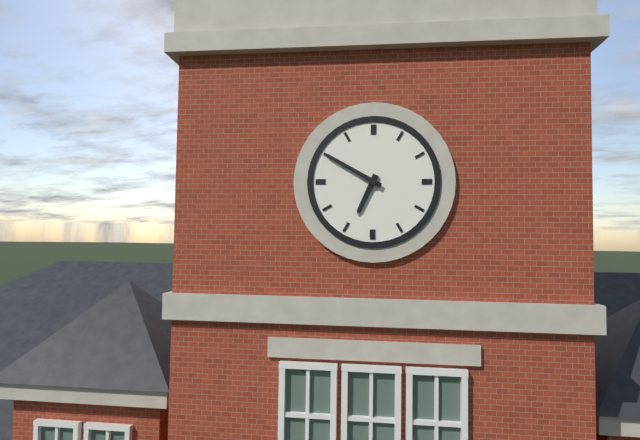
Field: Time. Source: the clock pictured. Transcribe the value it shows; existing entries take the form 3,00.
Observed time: 6,50
